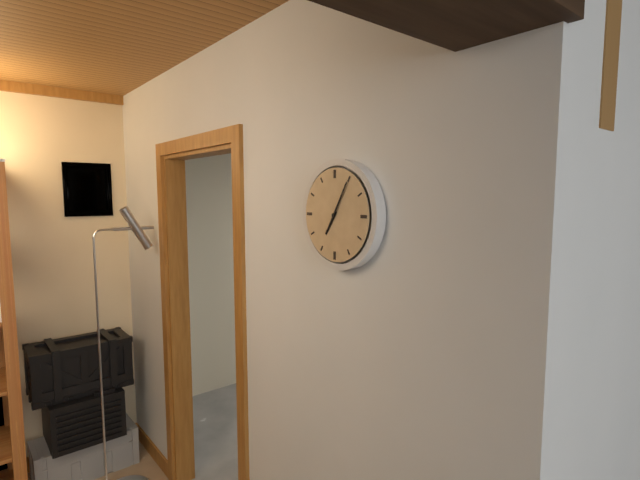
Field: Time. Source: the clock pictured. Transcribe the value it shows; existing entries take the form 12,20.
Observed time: 7,05
